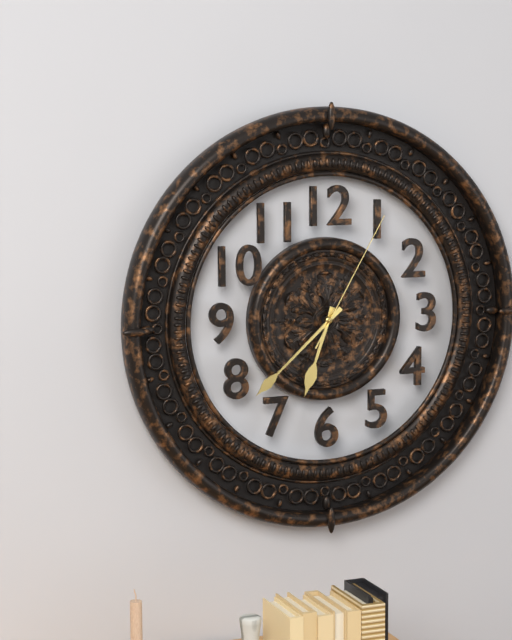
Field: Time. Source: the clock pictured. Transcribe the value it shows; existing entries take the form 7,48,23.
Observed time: 6,38,05
